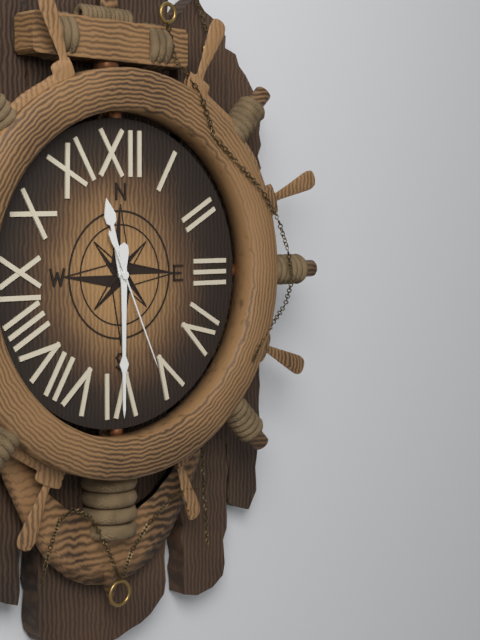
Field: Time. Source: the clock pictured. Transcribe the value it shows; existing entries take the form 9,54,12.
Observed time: 11,30,26
